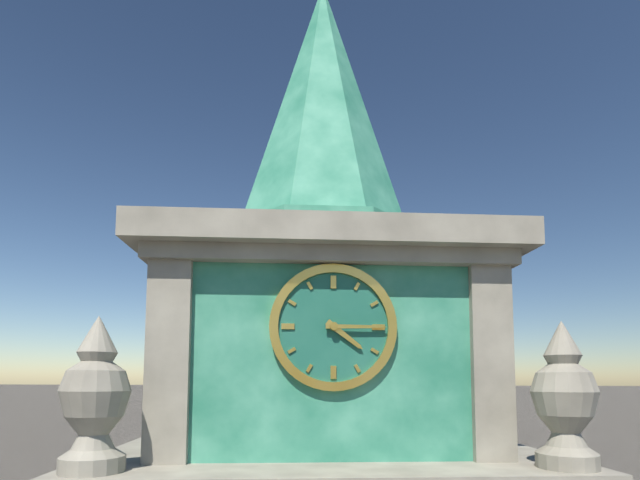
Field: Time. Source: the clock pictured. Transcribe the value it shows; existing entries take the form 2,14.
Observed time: 4,15
